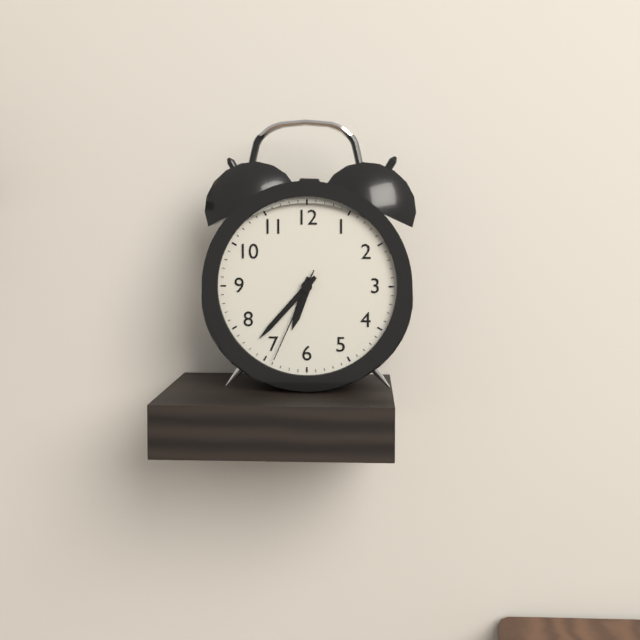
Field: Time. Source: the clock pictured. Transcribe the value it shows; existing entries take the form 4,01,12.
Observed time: 6,37,34
